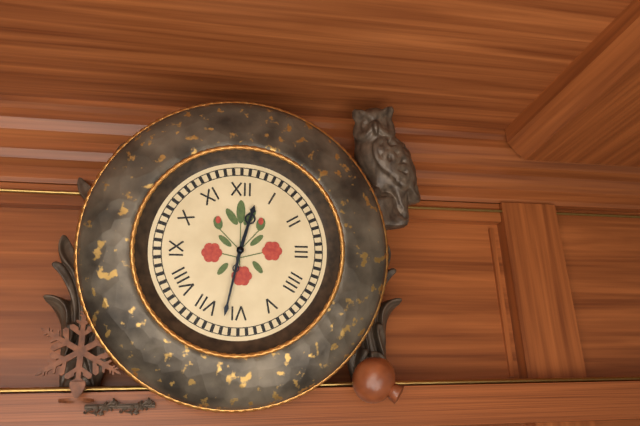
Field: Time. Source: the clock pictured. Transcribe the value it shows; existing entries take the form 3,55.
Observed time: 12,32
